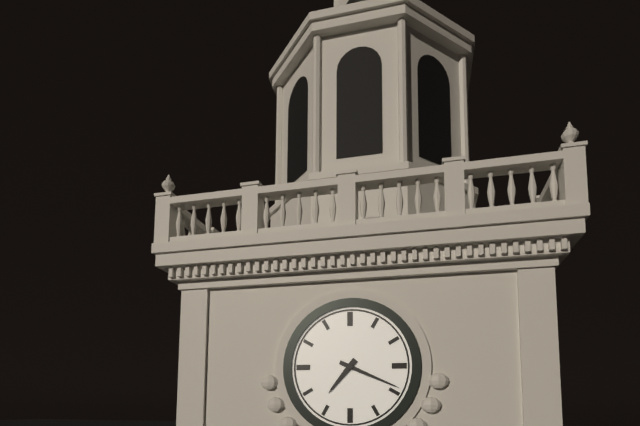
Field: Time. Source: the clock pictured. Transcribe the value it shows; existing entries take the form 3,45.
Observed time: 7,19
